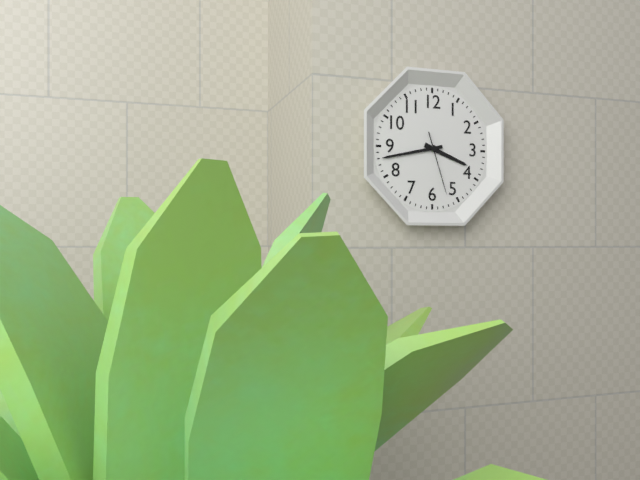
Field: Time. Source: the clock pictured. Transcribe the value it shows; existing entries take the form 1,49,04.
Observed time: 3,43,27
